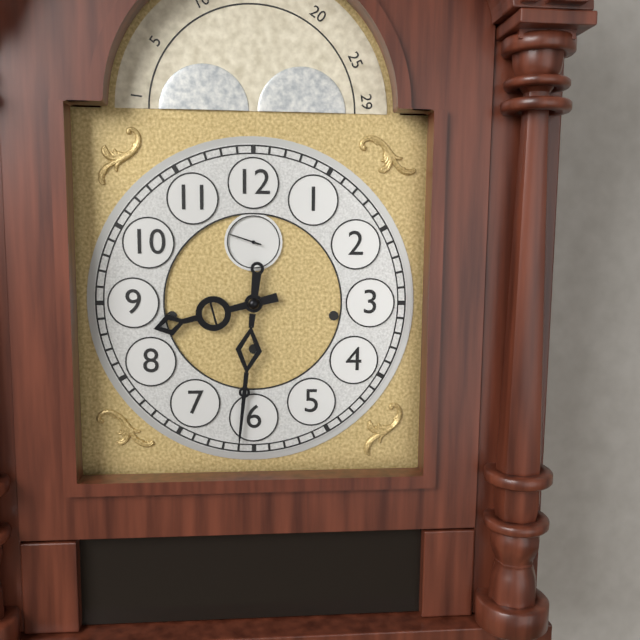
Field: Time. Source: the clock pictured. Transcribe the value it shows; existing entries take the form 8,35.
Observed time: 8,31
